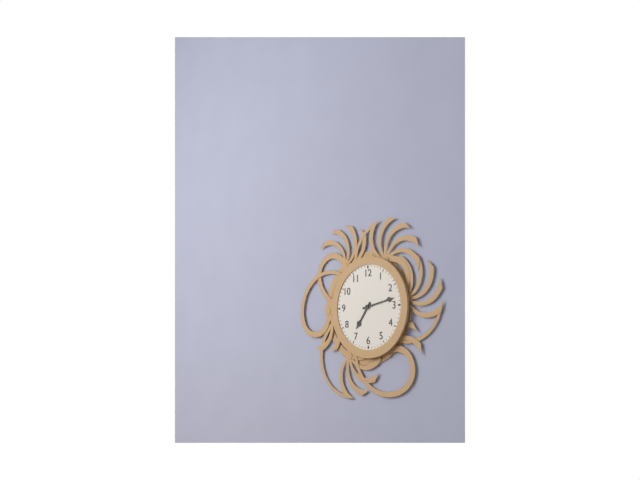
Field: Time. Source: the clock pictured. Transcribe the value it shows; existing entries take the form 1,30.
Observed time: 7,13
